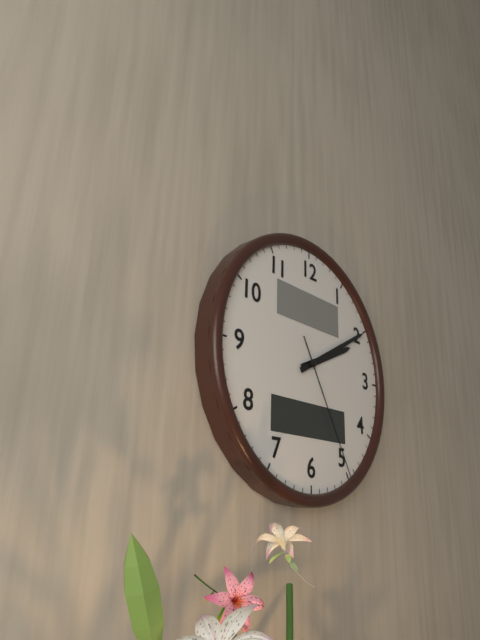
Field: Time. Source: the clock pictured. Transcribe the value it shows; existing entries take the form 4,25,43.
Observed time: 2,10,25
